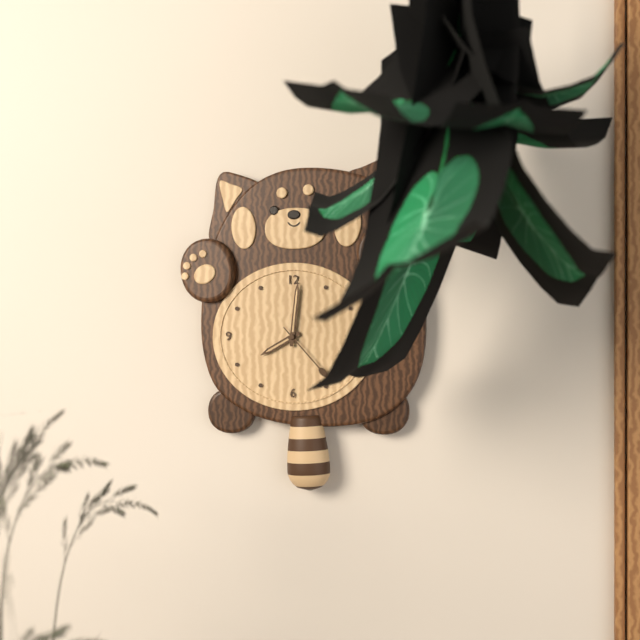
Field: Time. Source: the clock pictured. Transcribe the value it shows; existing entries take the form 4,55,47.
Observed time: 8,01,23
